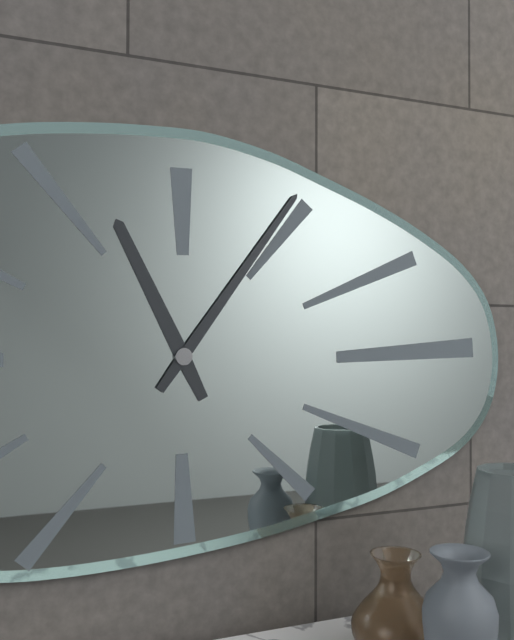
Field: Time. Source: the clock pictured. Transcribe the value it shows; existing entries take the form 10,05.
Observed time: 11,06
